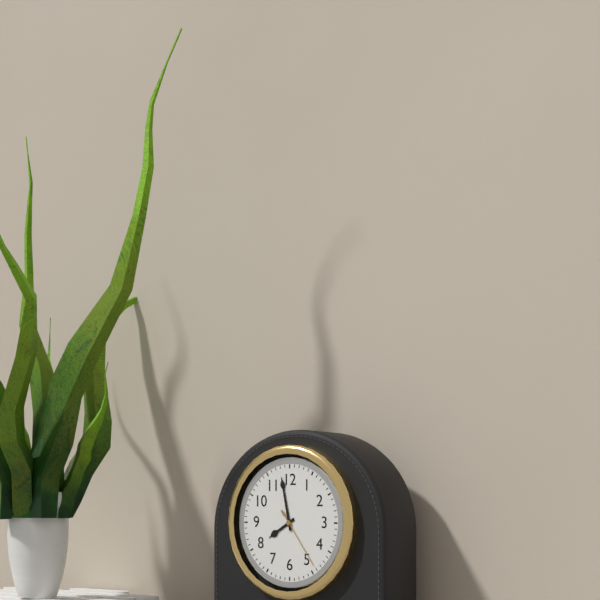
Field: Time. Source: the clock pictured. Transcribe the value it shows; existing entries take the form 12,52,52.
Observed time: 7,58,24
